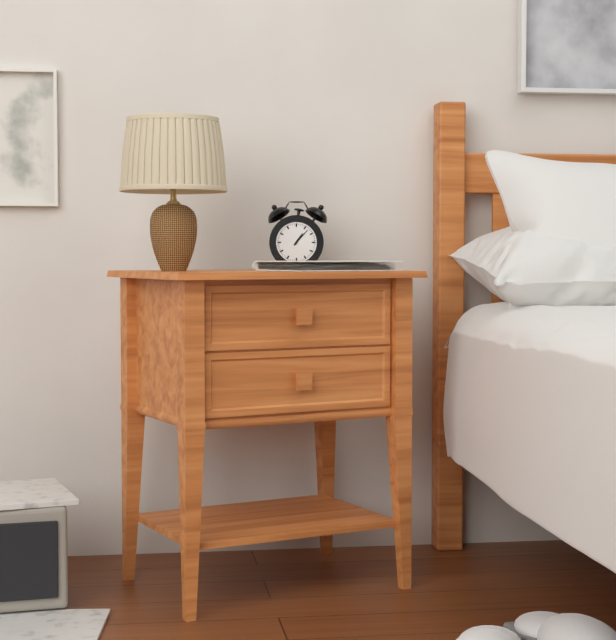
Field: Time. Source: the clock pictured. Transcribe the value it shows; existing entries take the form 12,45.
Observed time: 1,07
